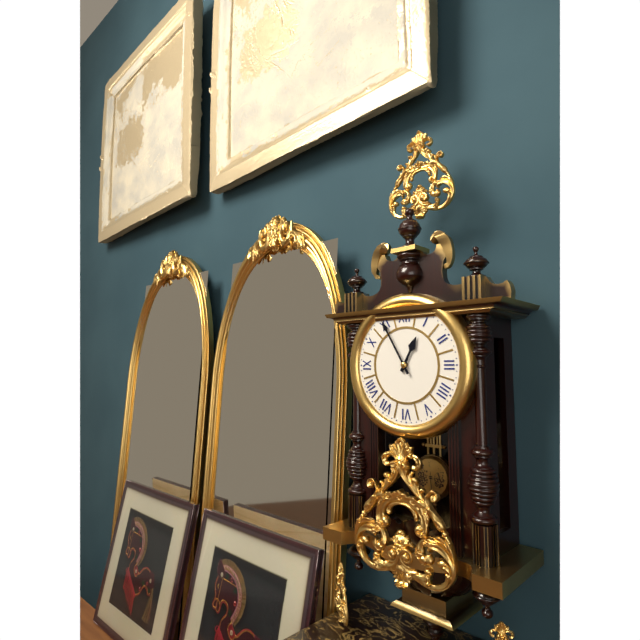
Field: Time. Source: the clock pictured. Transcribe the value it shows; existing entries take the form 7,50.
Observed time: 12,55
